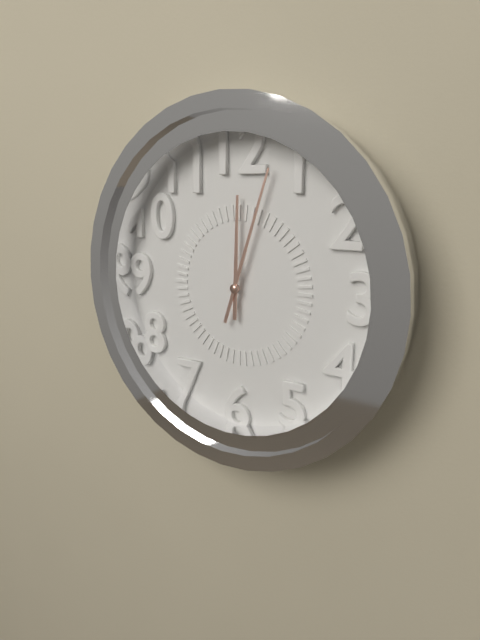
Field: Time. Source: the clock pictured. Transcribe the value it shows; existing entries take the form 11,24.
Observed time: 12,03
